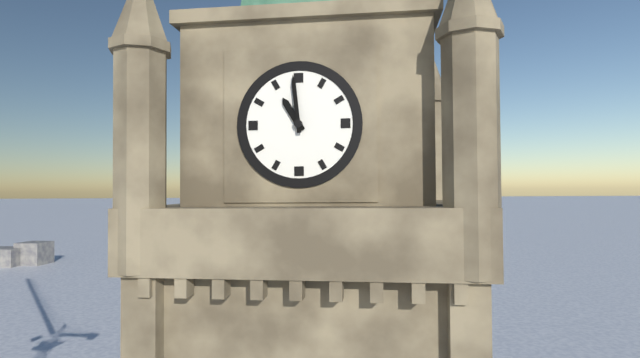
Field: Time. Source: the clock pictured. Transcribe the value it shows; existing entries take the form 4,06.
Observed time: 10,59
